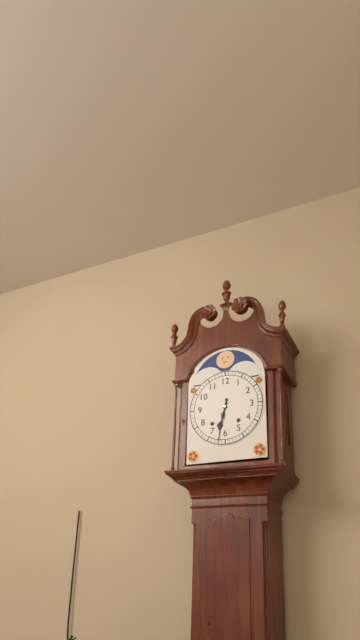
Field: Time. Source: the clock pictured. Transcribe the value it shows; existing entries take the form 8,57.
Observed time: 6,32
